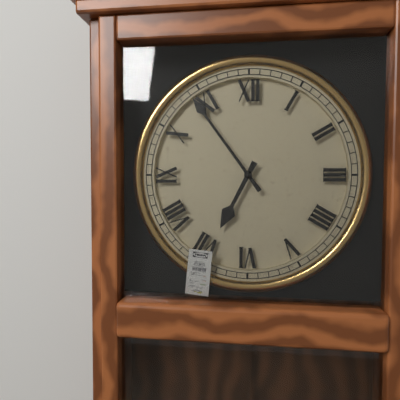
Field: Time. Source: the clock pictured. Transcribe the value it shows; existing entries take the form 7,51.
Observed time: 6,54
